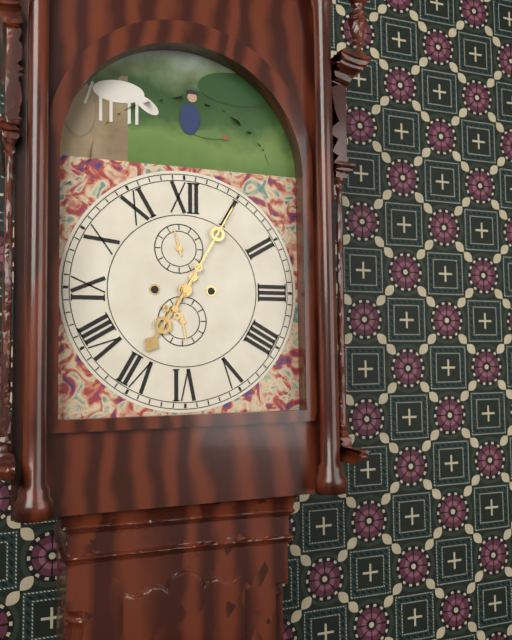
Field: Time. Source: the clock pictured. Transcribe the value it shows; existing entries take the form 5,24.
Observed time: 7,05
